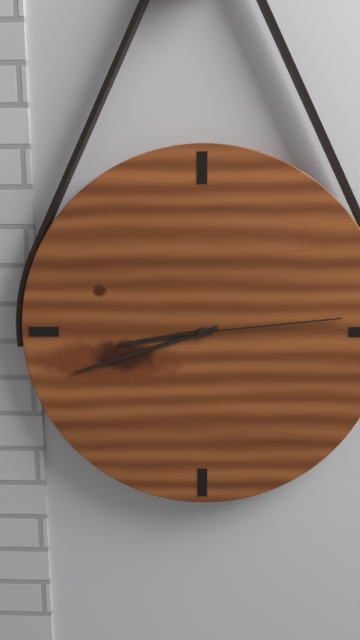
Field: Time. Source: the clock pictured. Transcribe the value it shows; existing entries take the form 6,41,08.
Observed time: 8,42,14
